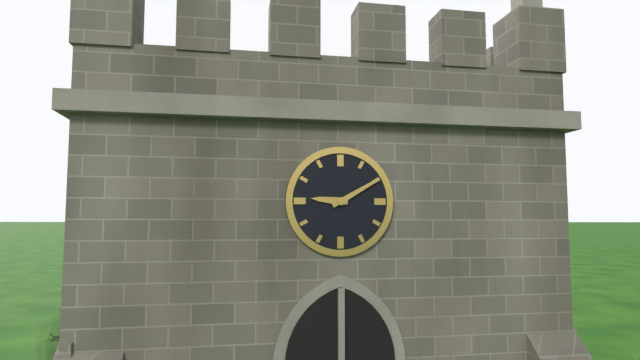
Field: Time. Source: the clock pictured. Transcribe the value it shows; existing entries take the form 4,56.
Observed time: 9,10
